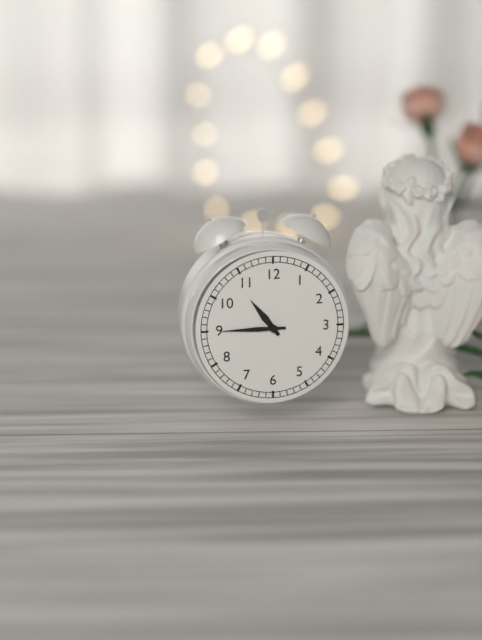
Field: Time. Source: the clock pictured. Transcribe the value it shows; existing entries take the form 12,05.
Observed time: 10,45
